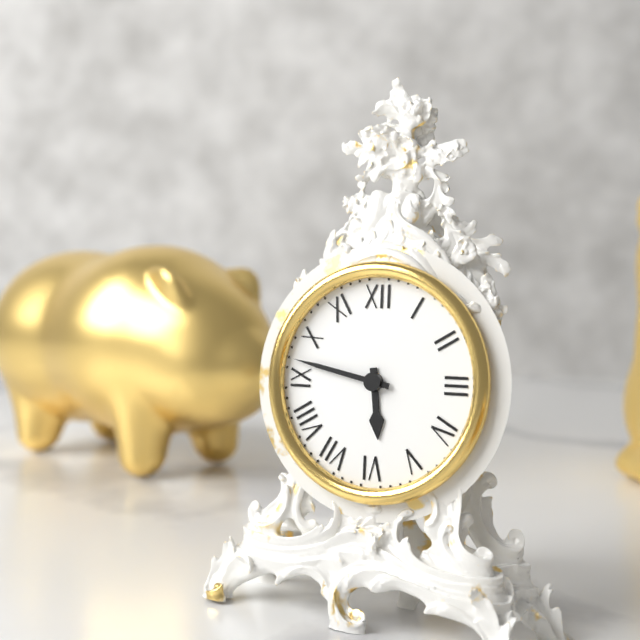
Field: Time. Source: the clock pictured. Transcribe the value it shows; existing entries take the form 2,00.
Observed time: 5,47
